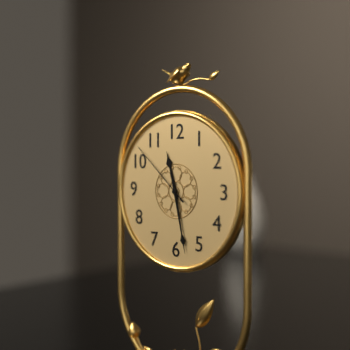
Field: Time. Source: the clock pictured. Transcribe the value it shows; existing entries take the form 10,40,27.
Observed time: 11,28,52
